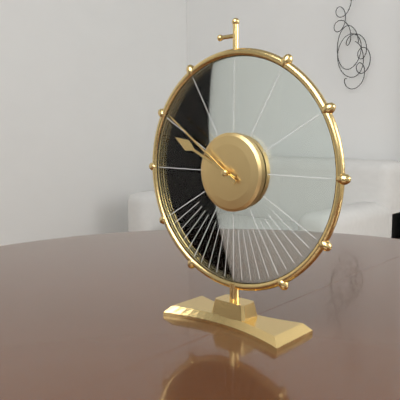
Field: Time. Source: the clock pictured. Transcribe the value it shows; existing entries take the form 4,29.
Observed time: 9,51
